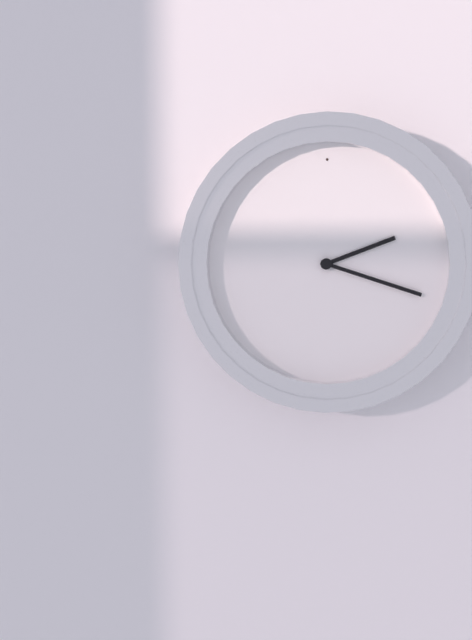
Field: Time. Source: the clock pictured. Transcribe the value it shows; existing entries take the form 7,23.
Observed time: 2,18
